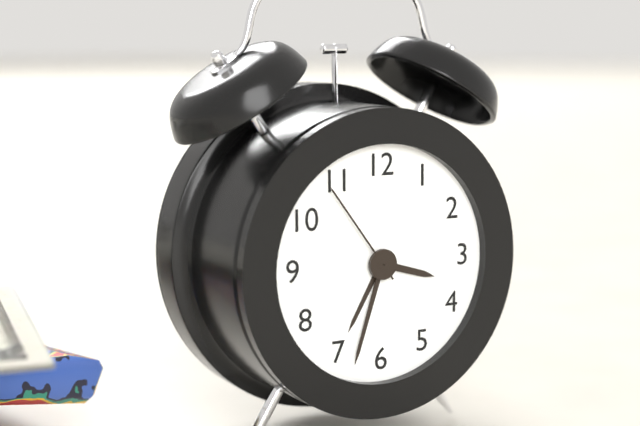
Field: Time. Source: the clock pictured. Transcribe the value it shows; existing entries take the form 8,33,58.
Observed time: 3,33,54
